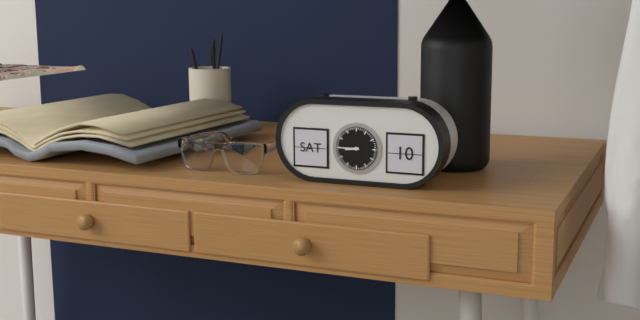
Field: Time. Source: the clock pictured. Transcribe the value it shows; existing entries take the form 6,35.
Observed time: 8,45
